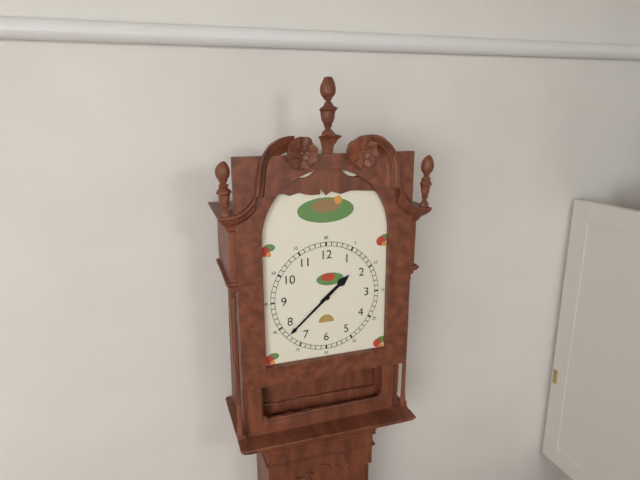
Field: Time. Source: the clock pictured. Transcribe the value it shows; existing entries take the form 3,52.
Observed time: 1,38
